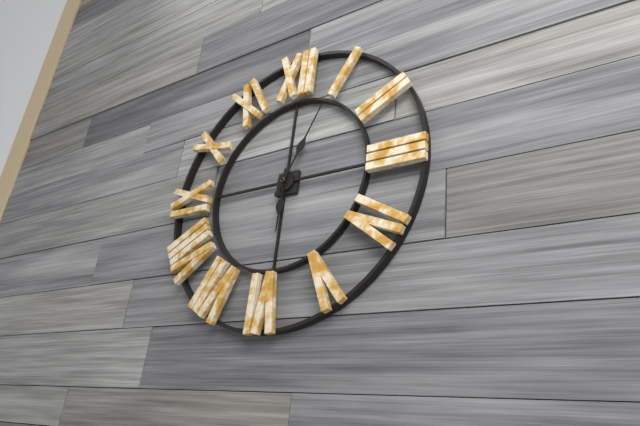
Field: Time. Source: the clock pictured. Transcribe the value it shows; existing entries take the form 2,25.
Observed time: 6,04
